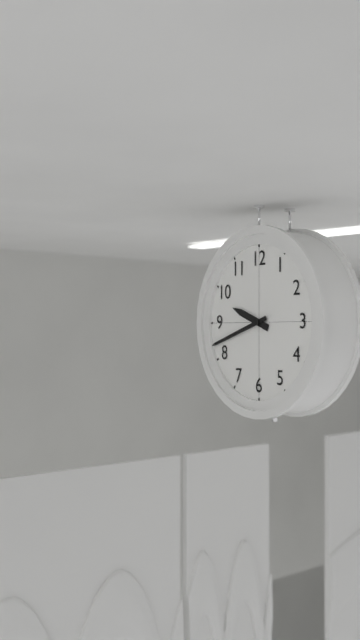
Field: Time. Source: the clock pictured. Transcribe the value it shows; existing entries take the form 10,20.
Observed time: 9,42
